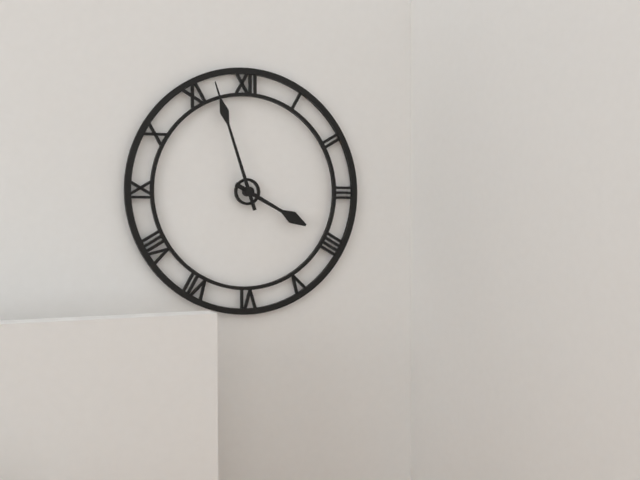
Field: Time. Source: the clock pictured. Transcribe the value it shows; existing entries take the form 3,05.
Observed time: 3,57
